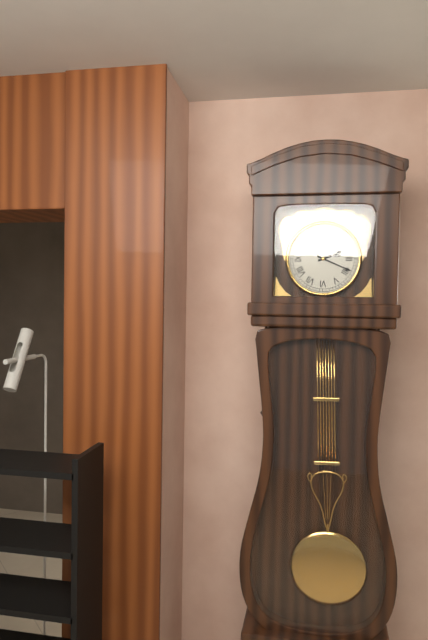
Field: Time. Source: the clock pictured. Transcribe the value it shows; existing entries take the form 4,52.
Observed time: 2,19
